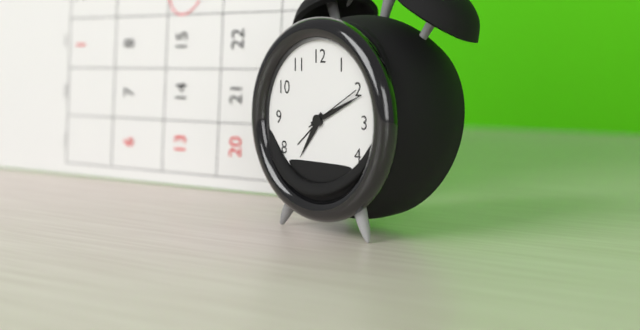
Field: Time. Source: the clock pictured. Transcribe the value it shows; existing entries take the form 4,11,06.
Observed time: 7,11,10
